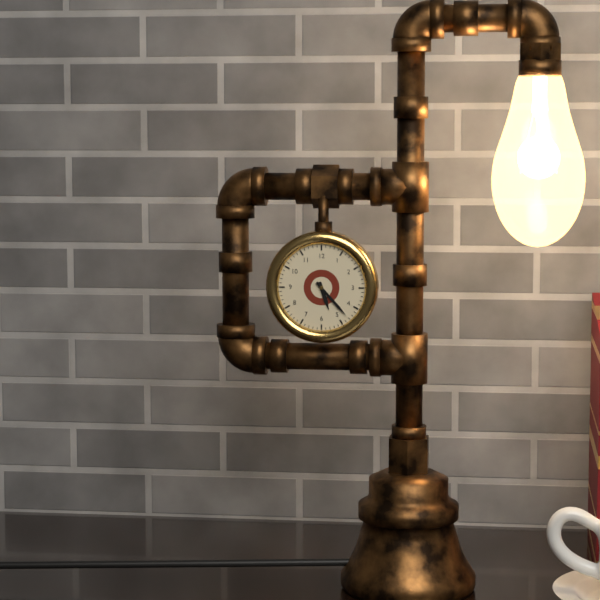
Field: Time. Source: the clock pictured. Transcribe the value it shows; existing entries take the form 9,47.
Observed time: 5,23
